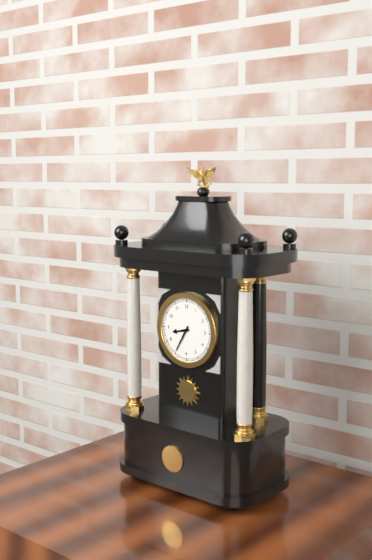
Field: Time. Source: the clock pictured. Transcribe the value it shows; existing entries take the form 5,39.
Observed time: 8,35
